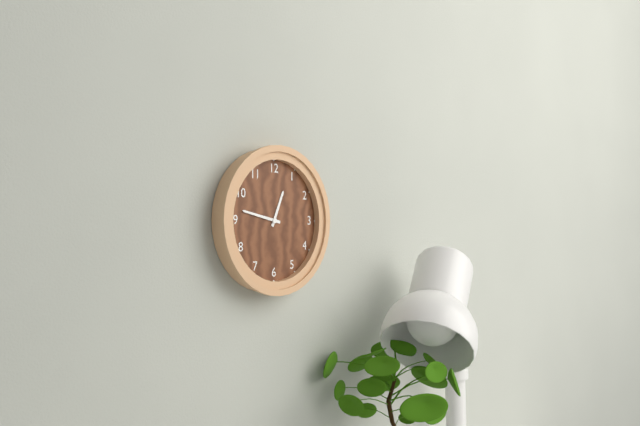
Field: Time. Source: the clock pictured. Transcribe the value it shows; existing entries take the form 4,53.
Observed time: 12,47
